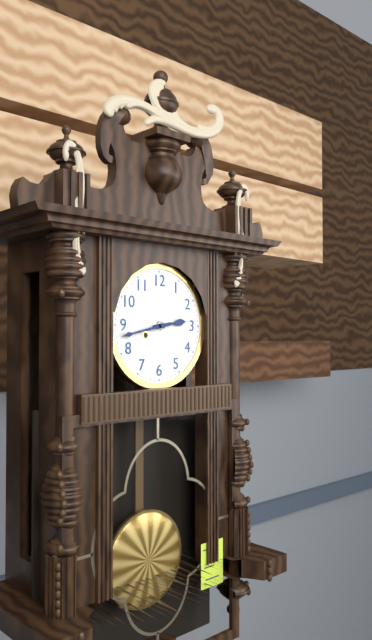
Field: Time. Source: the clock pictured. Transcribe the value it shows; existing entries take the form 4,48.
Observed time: 2,43
